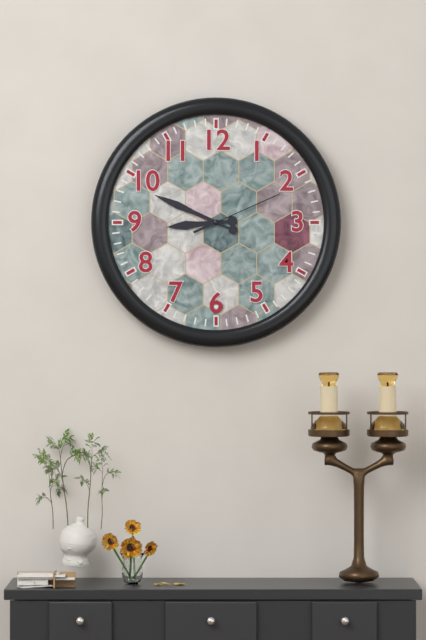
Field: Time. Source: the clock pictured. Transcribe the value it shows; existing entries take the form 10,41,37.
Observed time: 8,49,11
